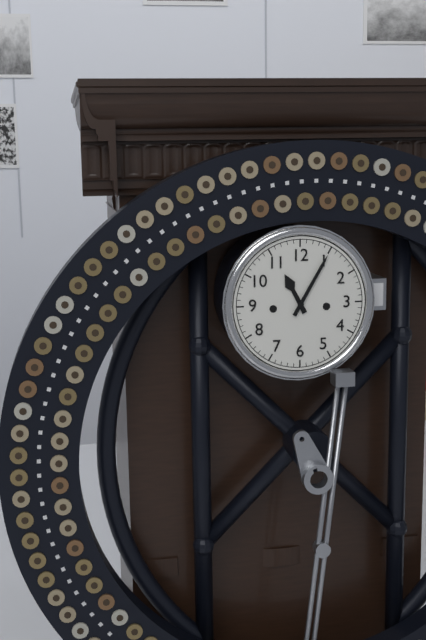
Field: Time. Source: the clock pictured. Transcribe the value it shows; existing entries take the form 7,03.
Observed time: 11,05
